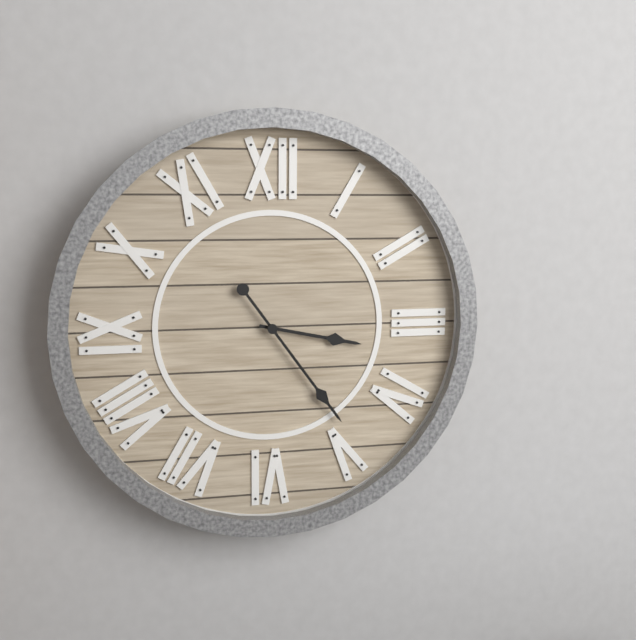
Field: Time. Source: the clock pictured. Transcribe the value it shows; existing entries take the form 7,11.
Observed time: 3,24
